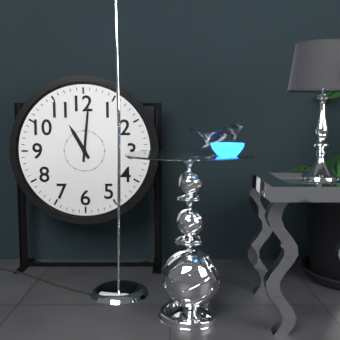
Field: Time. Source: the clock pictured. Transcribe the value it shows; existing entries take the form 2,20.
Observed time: 11,01
